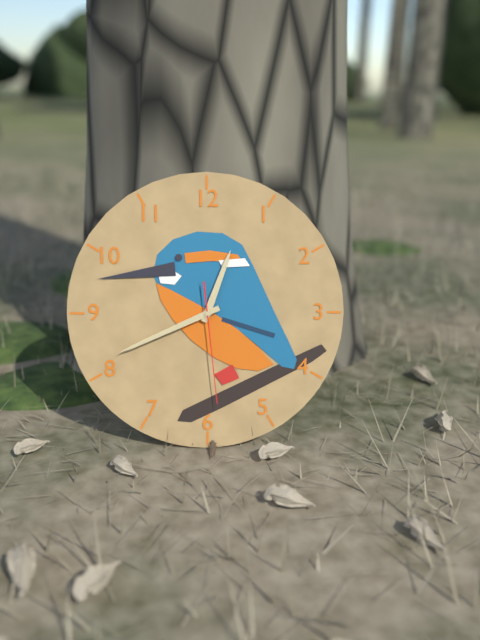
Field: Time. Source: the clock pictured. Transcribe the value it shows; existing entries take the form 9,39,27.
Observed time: 12,41,29
